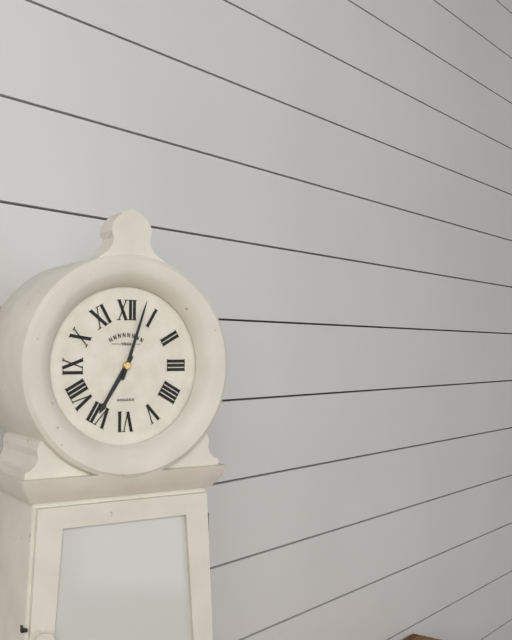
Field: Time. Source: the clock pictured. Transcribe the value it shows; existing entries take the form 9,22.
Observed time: 7,03
